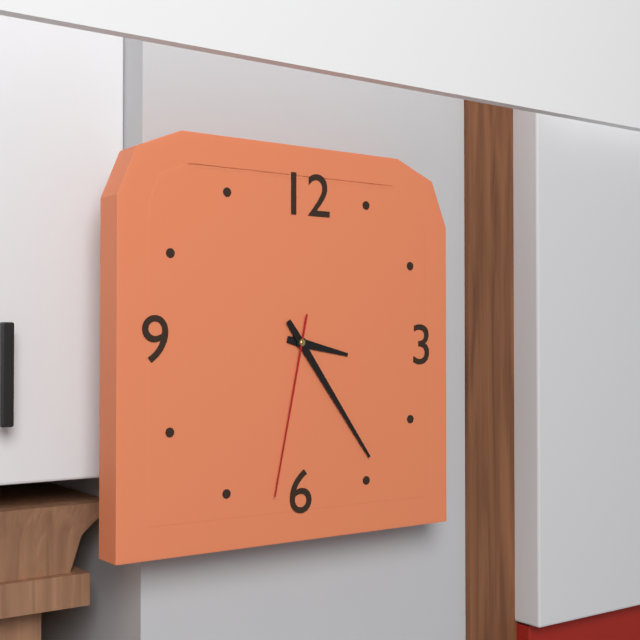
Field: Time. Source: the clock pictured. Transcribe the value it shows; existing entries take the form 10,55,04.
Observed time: 3,24,32
